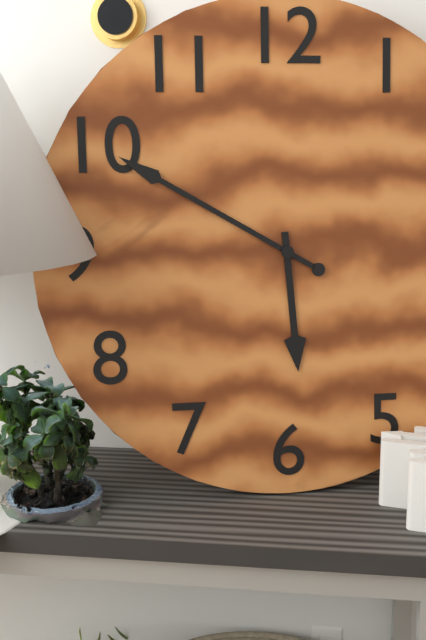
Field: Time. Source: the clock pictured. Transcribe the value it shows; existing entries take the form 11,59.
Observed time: 5,50
